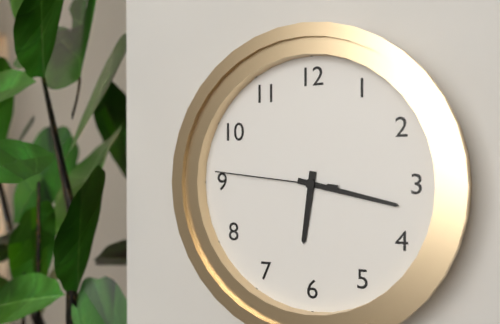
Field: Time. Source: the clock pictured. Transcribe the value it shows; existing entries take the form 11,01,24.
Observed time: 6,17,46
